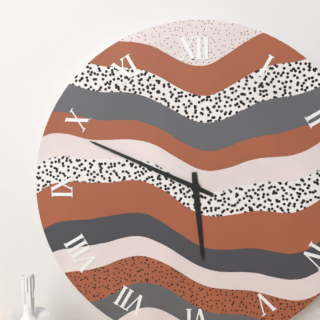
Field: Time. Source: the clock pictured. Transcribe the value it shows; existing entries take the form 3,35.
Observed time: 5,49
